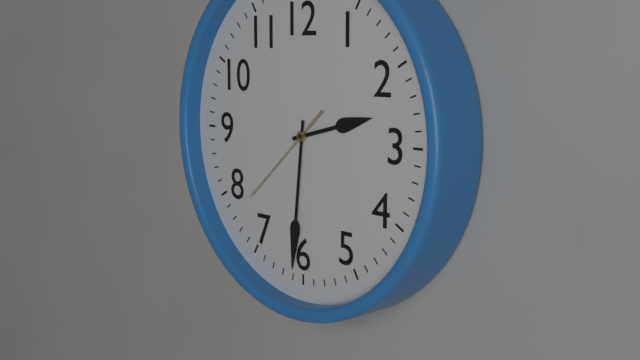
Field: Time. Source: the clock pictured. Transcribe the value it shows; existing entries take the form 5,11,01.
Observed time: 2,31,38
